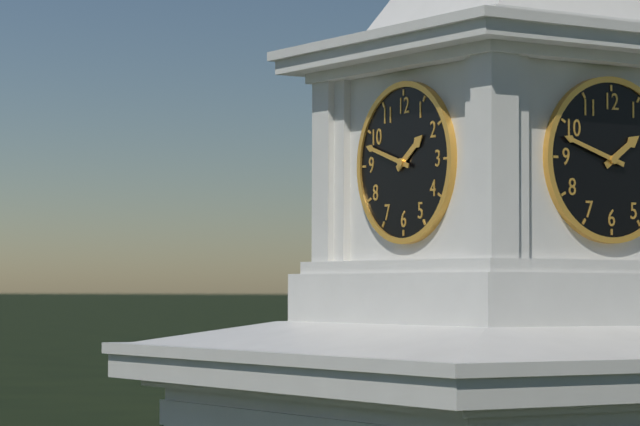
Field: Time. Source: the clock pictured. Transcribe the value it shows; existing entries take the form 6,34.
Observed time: 1,48
